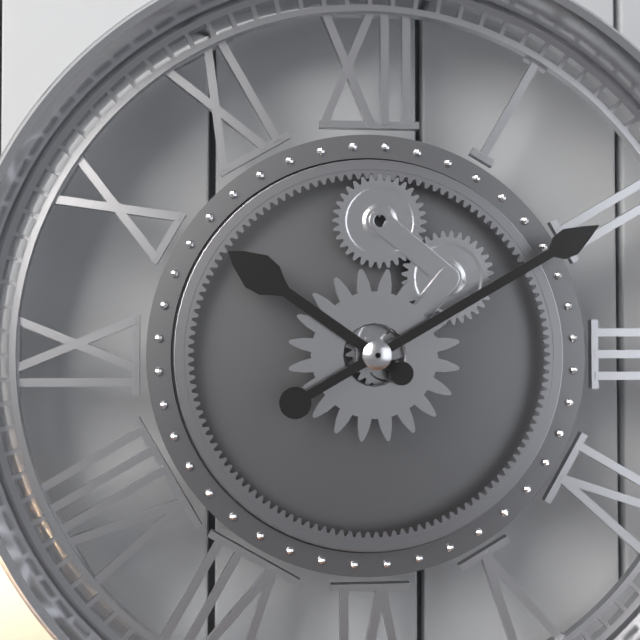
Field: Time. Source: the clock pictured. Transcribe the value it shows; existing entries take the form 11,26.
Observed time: 10,10
